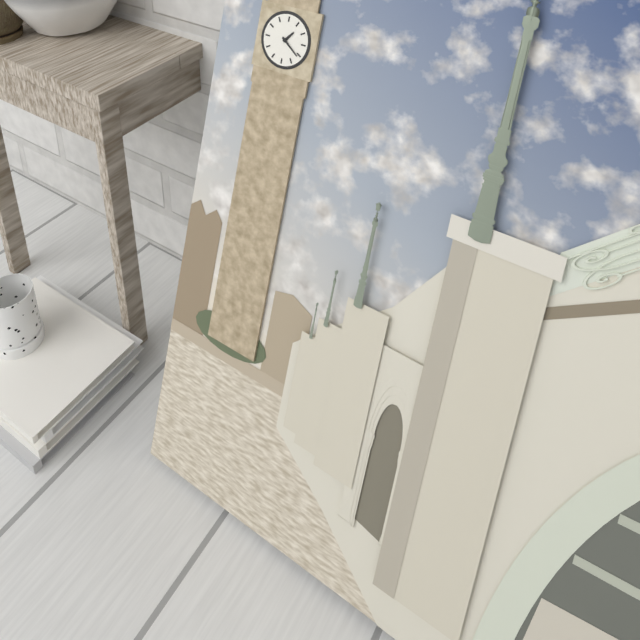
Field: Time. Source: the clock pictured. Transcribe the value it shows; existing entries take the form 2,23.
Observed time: 1,21
